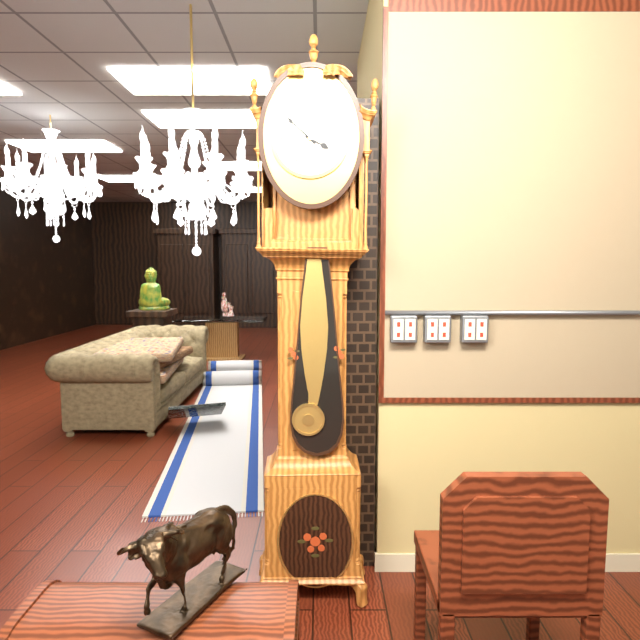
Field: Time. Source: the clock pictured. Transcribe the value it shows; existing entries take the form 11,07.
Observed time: 3,52
